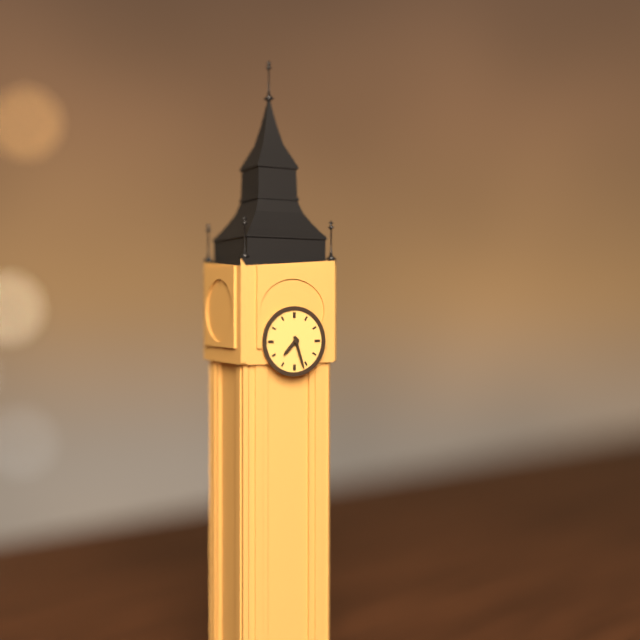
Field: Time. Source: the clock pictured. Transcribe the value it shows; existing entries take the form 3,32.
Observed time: 7,27
